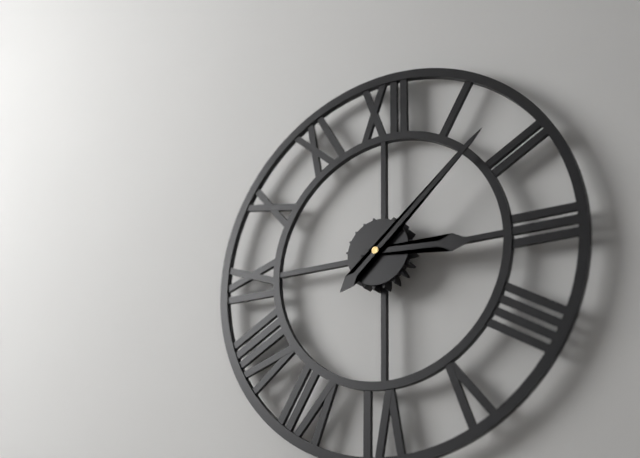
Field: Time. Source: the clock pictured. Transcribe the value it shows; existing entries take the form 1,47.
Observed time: 3,08
